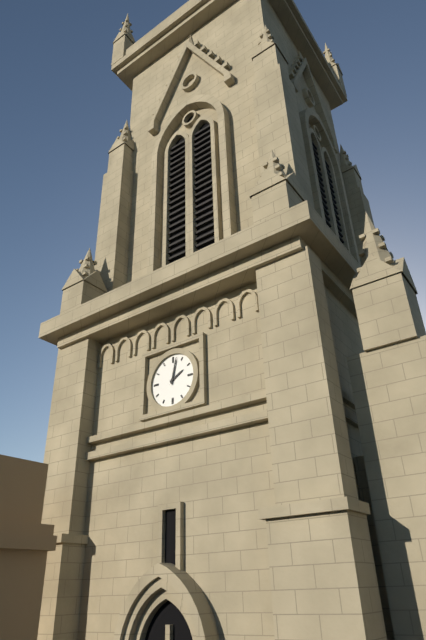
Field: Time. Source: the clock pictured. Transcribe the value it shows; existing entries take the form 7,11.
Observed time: 2,02
